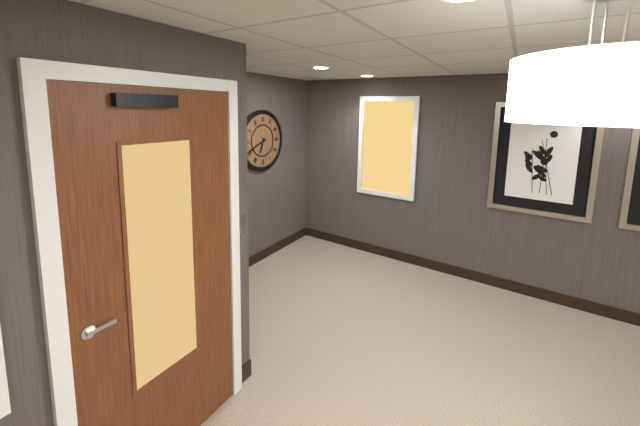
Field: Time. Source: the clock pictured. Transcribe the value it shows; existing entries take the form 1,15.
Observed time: 6,41
